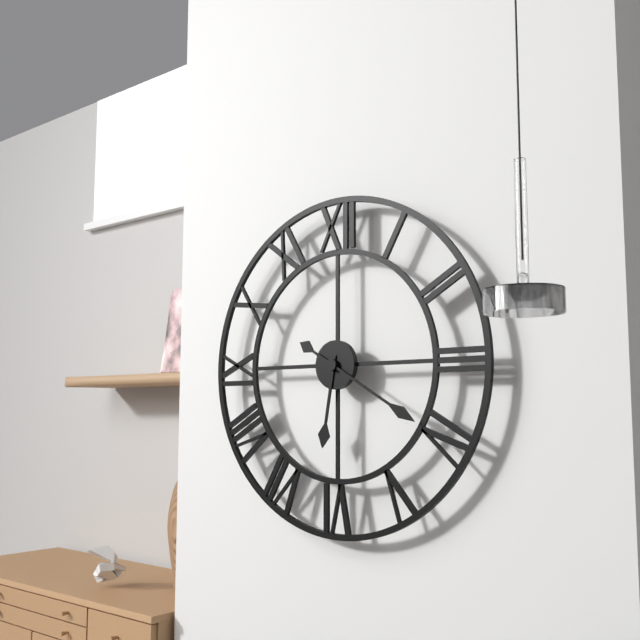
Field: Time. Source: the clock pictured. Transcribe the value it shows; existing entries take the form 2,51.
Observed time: 6,20
